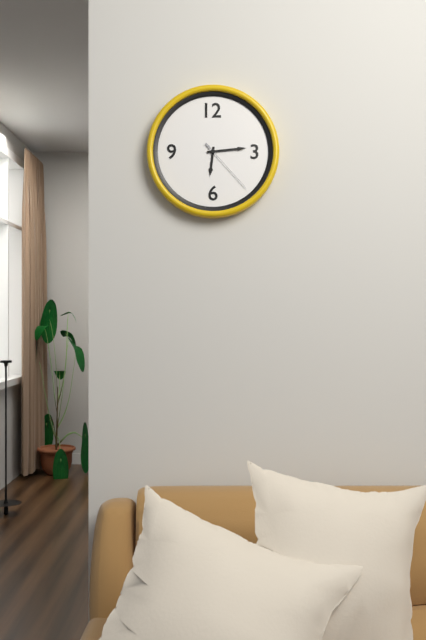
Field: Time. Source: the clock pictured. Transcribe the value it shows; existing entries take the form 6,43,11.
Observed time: 6,14,23
